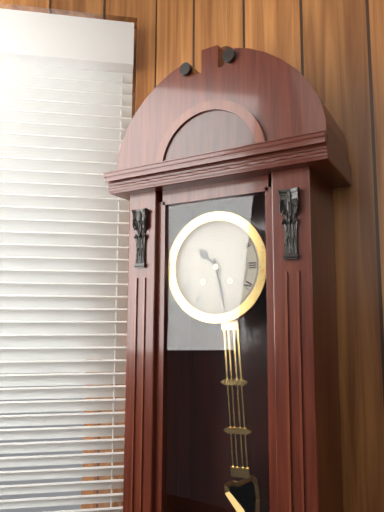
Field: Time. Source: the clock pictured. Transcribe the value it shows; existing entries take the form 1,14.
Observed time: 10,28
